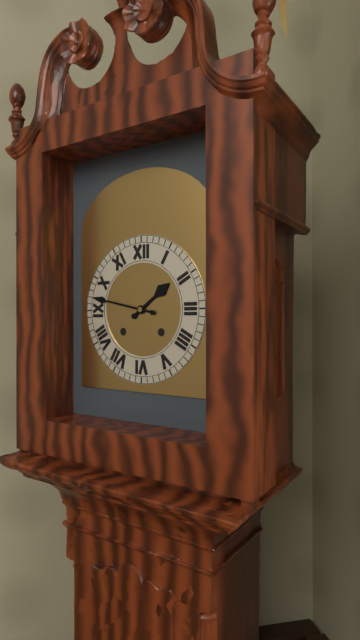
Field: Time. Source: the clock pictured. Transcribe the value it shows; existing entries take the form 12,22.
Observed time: 1,47
